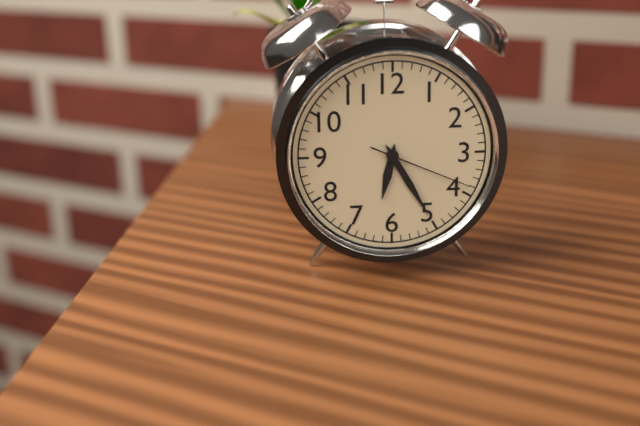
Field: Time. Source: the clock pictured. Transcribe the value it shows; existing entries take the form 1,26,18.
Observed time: 6,25,19
